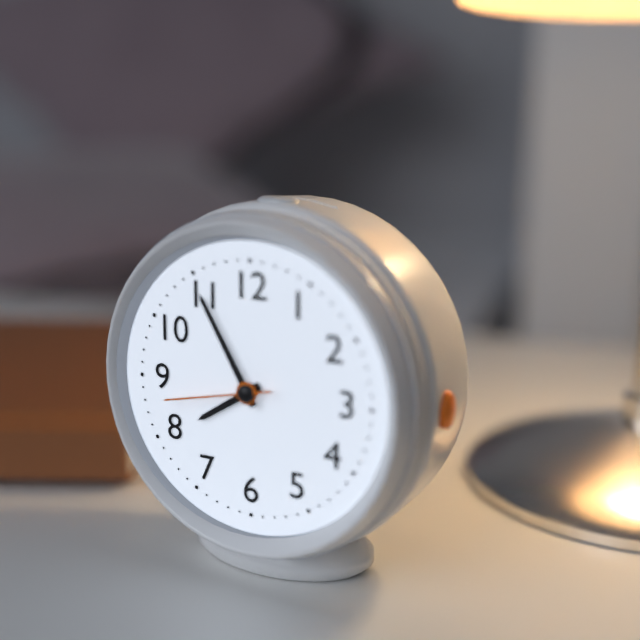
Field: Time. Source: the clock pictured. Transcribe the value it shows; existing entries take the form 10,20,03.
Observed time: 7,55,43
